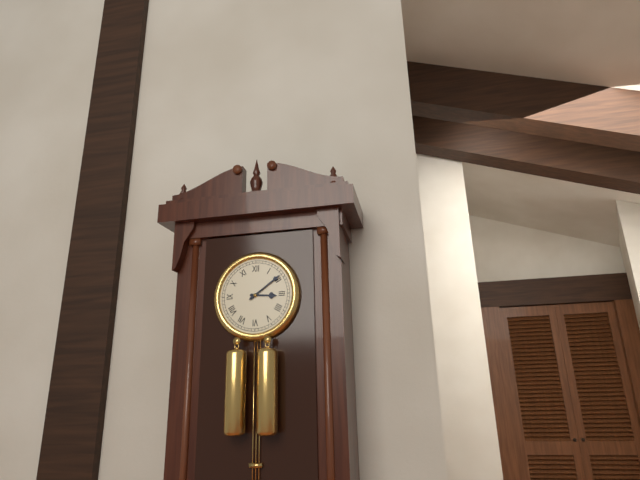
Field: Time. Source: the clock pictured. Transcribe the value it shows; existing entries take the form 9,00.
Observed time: 3,09
